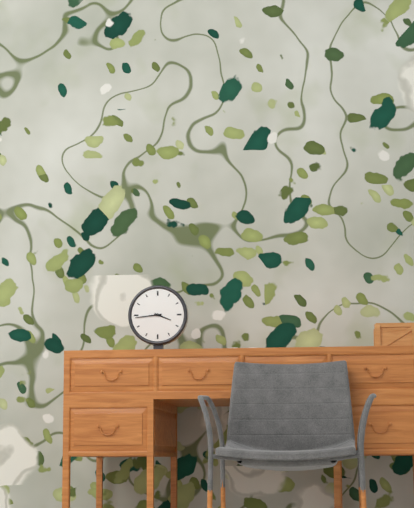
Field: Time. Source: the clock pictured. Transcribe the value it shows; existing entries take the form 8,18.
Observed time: 3,44
